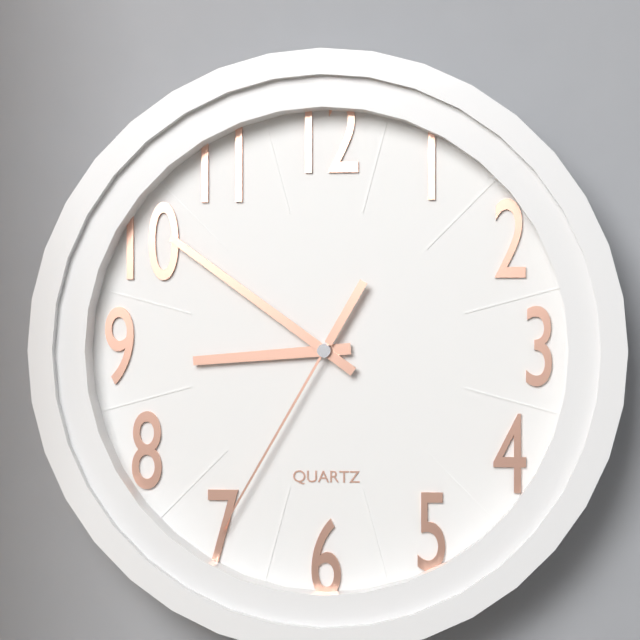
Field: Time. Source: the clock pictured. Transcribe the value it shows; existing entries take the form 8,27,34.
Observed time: 8,51,35
